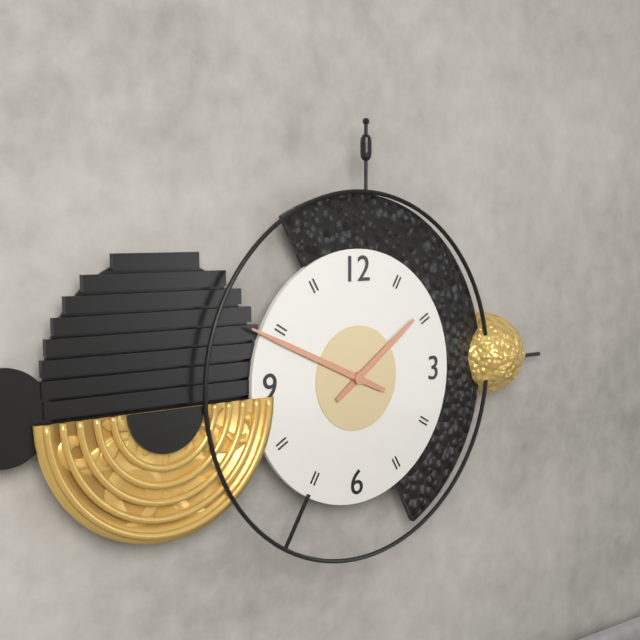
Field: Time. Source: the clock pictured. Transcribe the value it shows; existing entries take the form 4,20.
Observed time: 1,49
